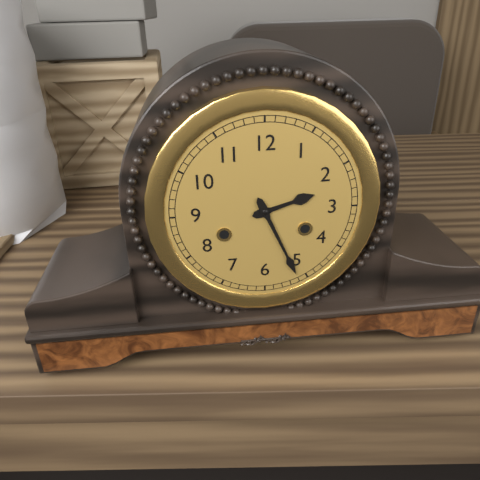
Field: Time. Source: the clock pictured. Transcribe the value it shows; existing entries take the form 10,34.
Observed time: 2,26
